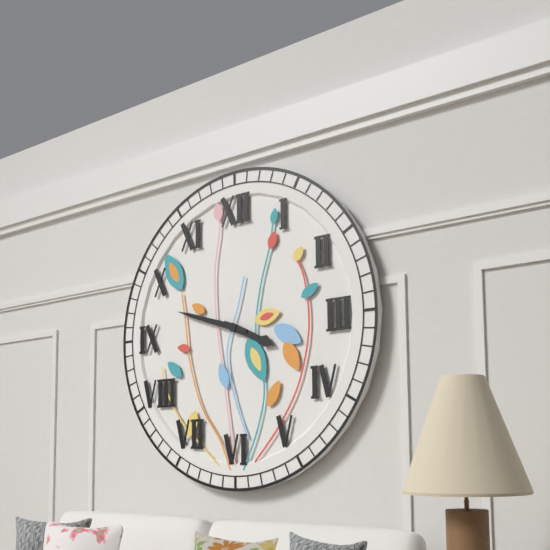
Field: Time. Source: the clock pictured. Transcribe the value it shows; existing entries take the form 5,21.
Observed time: 3,48
